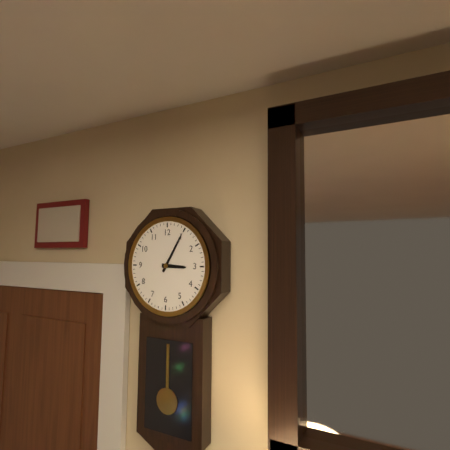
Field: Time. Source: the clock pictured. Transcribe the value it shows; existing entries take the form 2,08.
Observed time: 3,05
